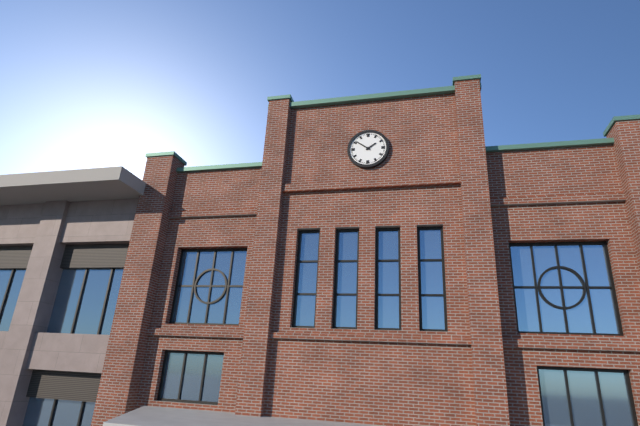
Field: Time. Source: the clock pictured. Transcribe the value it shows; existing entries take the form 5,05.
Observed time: 1,51
